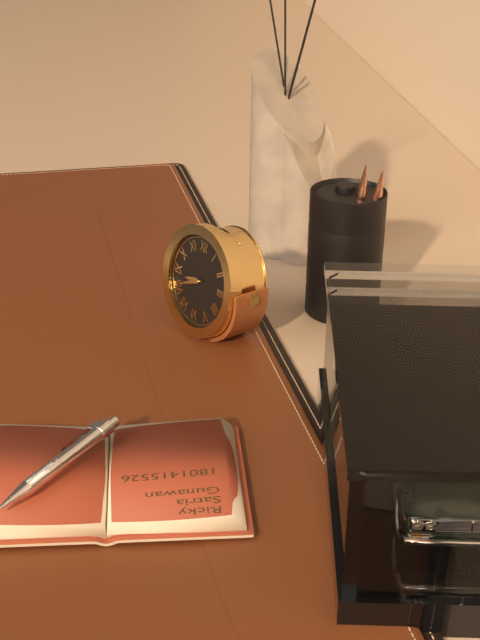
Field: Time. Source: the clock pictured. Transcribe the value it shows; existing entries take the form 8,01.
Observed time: 8,41
